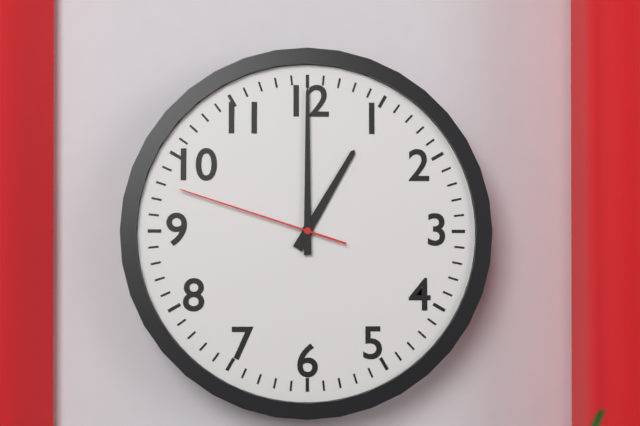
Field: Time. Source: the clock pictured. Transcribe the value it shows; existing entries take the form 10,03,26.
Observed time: 1,00,48
